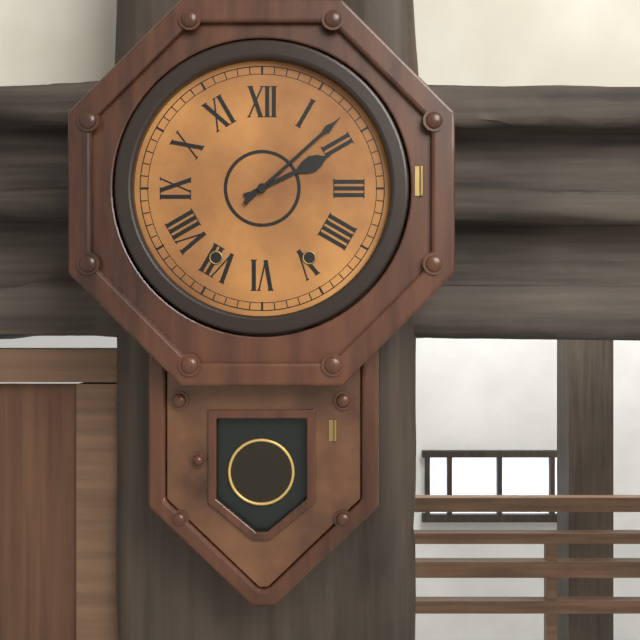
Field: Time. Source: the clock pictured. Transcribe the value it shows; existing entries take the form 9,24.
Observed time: 2,08
